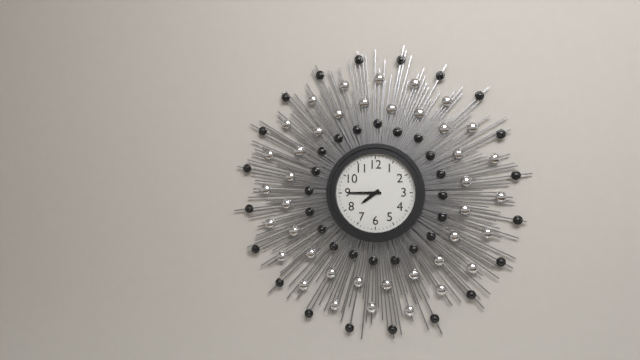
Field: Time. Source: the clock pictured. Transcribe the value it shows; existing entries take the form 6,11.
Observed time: 7,45
